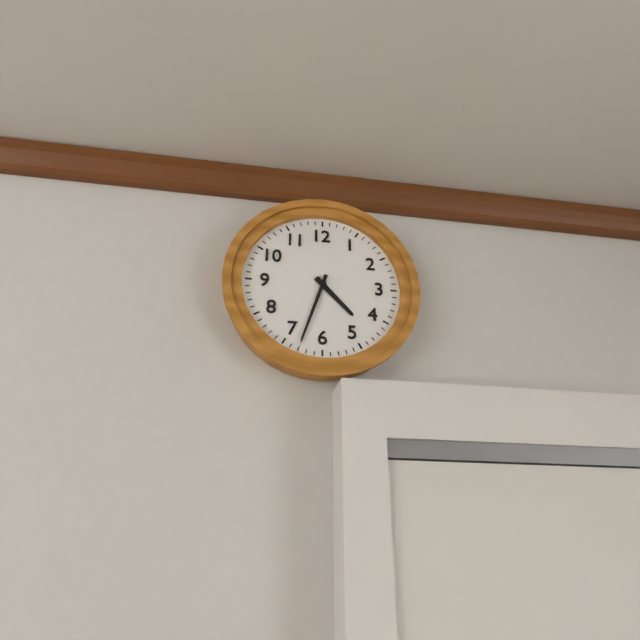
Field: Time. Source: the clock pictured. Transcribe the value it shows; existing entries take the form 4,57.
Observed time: 4,33
